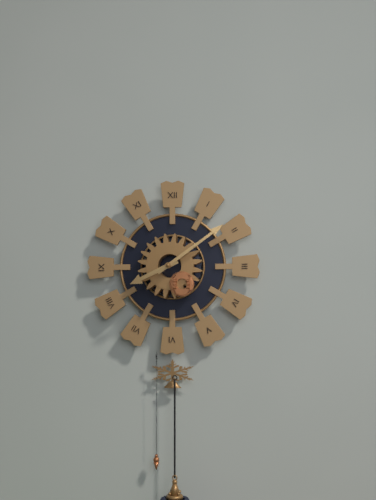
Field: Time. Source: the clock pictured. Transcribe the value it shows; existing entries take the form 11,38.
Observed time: 8,09
